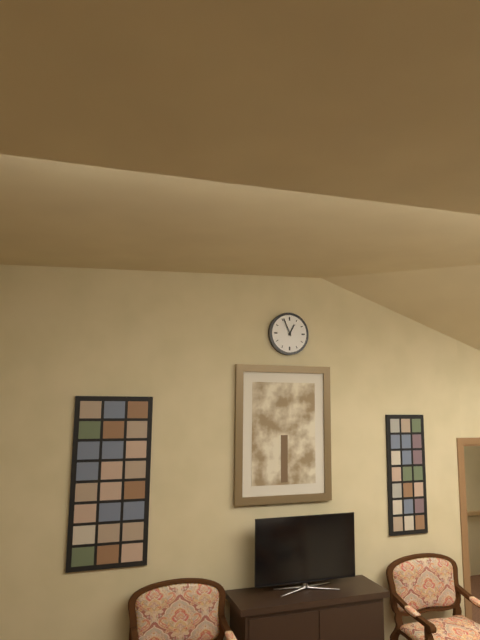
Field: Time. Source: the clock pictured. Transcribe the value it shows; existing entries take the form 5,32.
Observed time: 12,56
